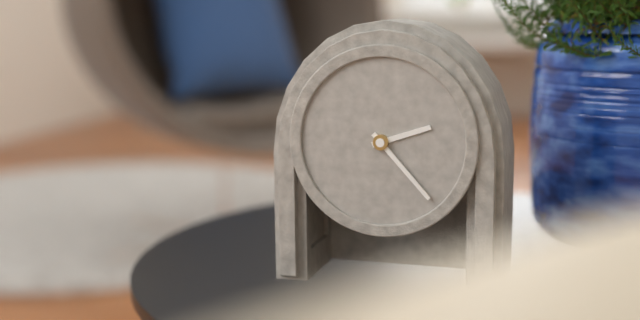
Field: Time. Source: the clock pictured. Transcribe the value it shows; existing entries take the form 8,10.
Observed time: 2,23
